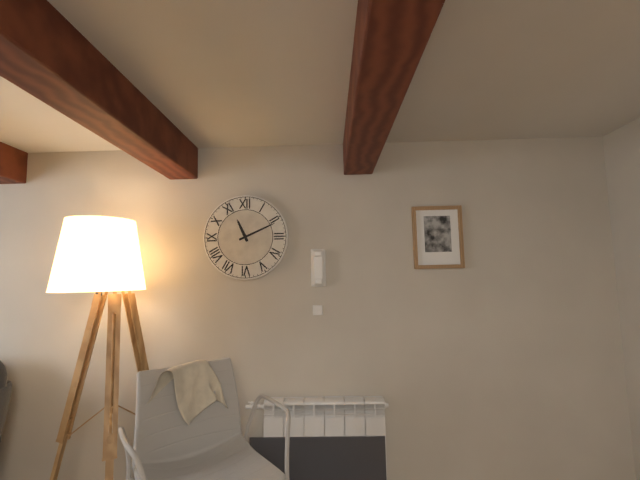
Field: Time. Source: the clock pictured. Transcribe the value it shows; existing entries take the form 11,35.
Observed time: 11,11
